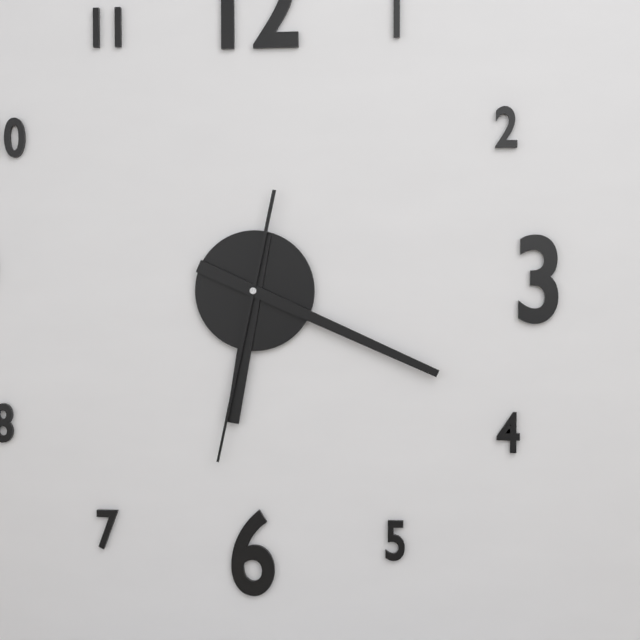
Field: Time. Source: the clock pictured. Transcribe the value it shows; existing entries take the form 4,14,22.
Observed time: 6,19,32
